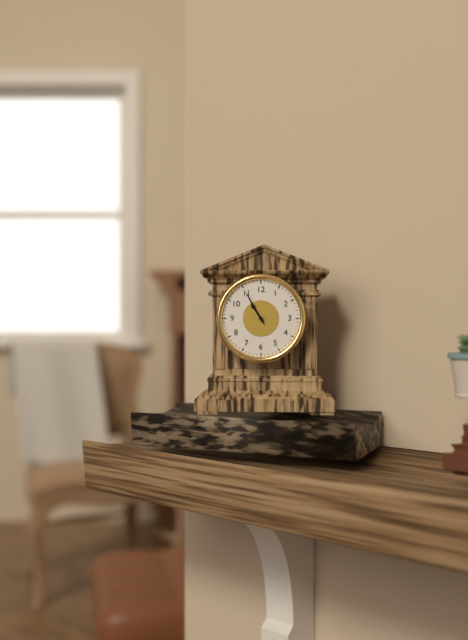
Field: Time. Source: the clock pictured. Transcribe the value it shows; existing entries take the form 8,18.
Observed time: 10,55
